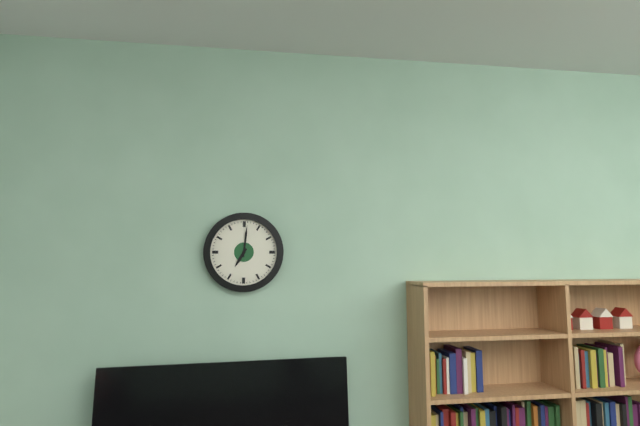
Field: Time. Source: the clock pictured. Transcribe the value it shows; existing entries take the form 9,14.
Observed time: 7,01
